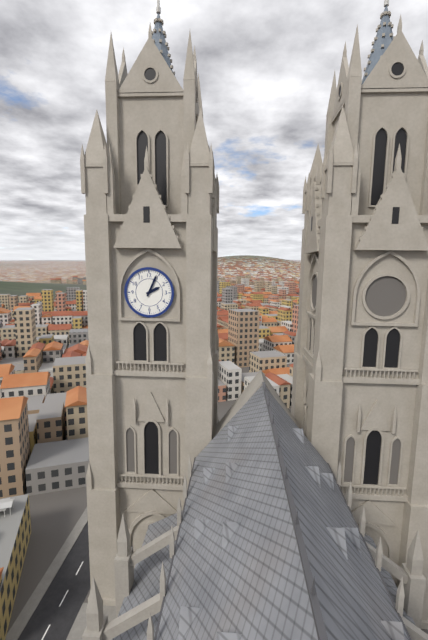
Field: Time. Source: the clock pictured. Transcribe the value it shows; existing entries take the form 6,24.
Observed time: 2,04
